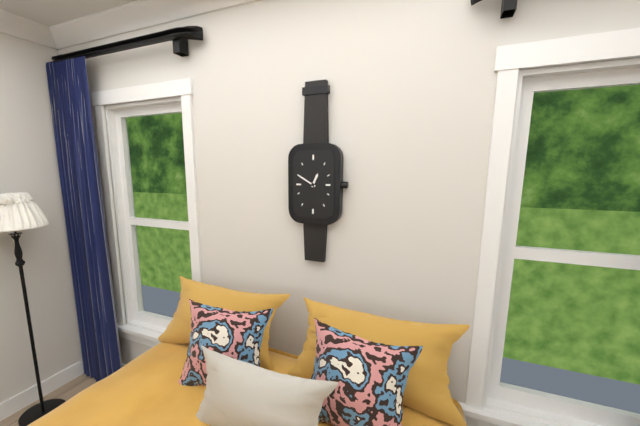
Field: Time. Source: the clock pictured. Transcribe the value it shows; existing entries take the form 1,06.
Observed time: 12,50
